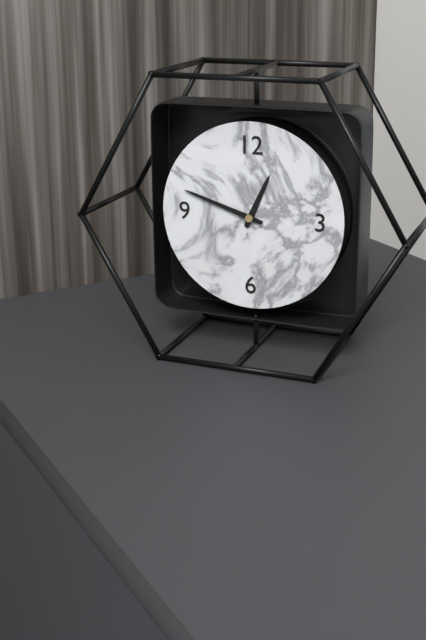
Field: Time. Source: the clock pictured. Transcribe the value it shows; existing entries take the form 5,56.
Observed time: 12,48
